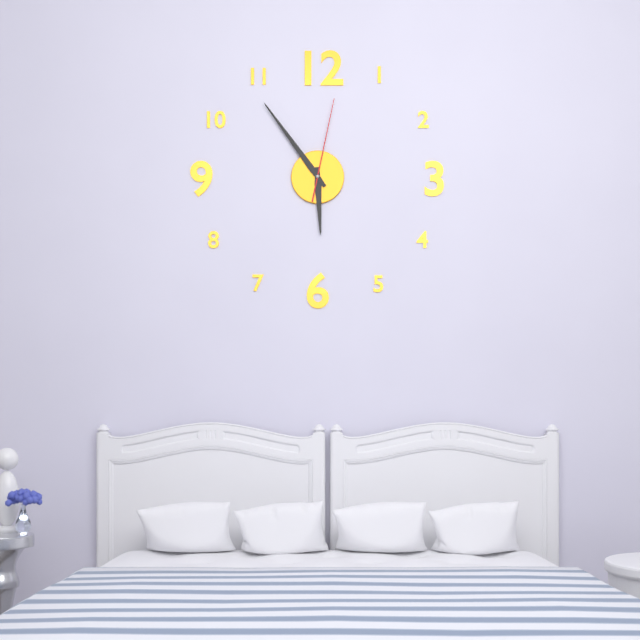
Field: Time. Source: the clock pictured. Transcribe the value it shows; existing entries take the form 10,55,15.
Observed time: 5,54,02
